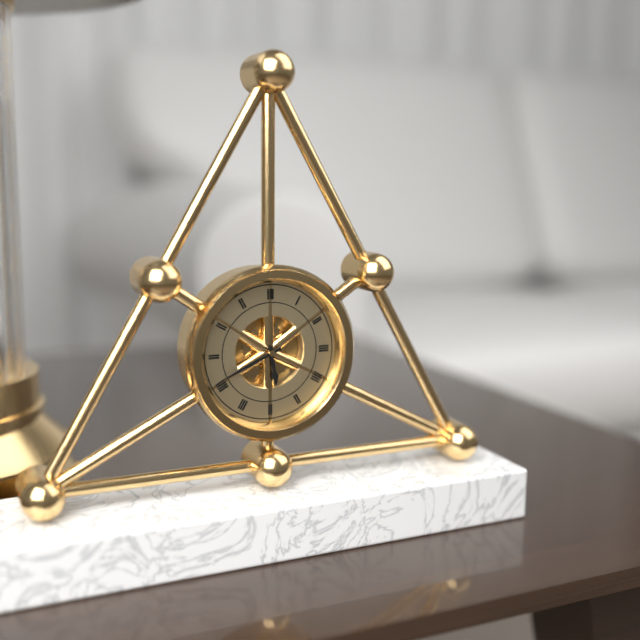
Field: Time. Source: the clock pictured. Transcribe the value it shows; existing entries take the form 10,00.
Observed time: 5,41
